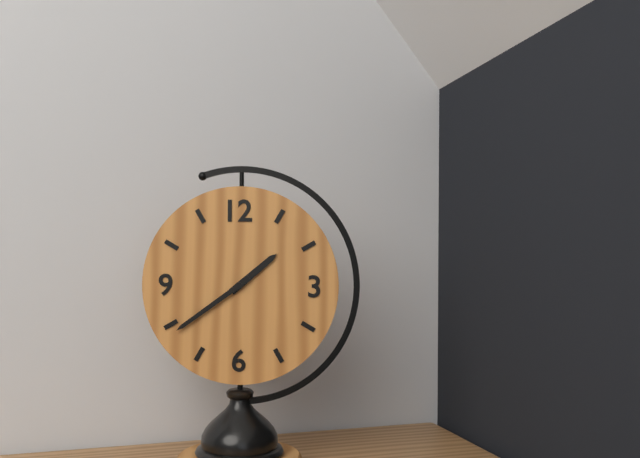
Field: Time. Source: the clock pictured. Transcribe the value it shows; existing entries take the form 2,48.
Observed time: 1,39
